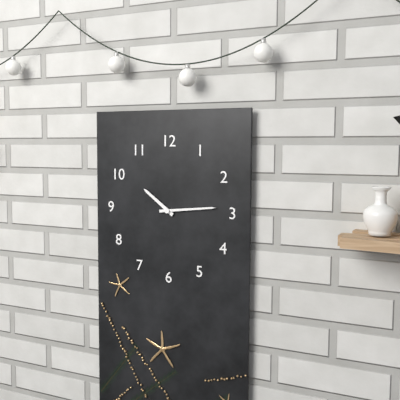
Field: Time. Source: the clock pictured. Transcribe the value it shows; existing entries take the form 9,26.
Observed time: 10,14
